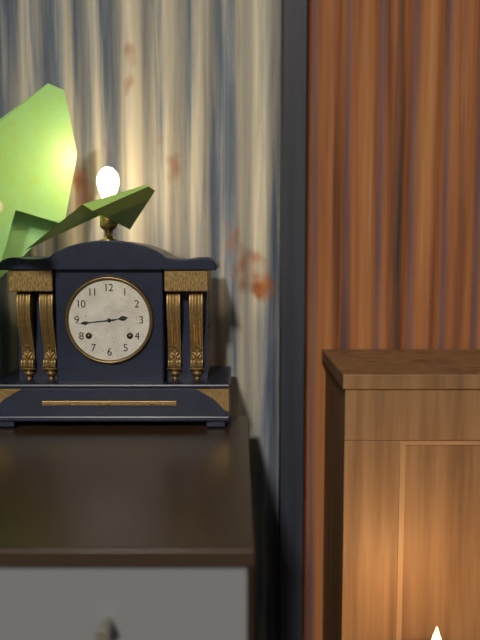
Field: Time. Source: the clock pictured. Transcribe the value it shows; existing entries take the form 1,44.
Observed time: 2,44
